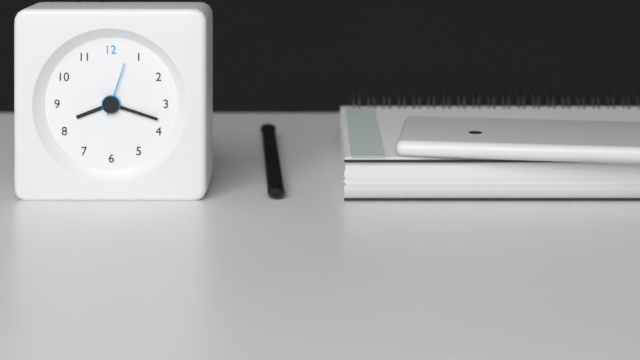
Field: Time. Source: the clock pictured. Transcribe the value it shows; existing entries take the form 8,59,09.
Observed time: 8,18,03
